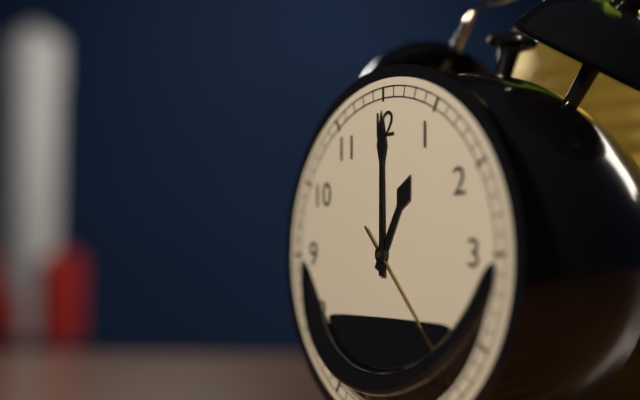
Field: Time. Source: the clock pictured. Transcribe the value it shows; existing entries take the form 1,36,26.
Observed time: 1,00,23
